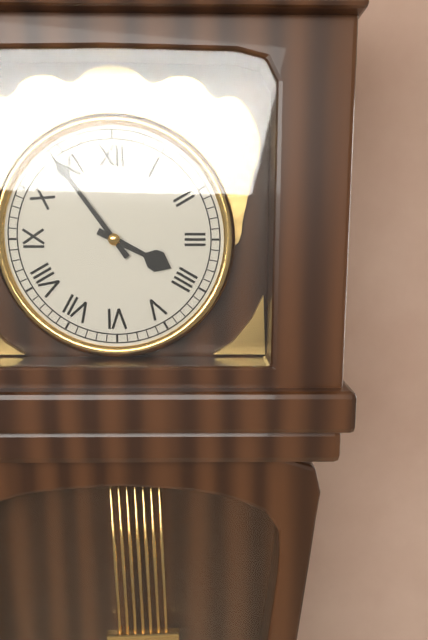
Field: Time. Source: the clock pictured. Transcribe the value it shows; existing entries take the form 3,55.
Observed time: 3,54
